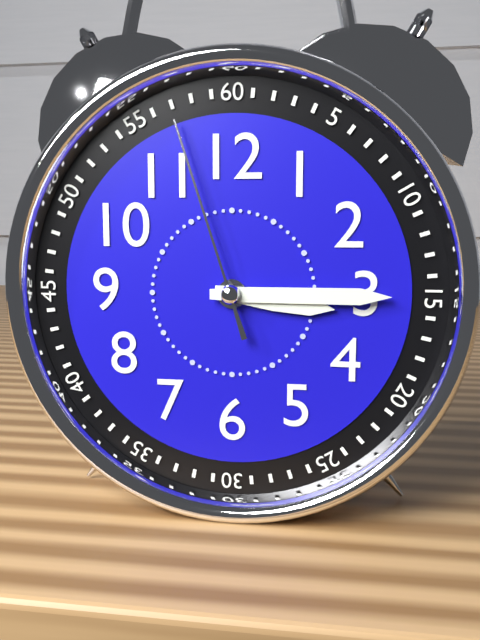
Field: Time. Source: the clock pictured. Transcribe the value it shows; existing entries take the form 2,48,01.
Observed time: 3,15,57
